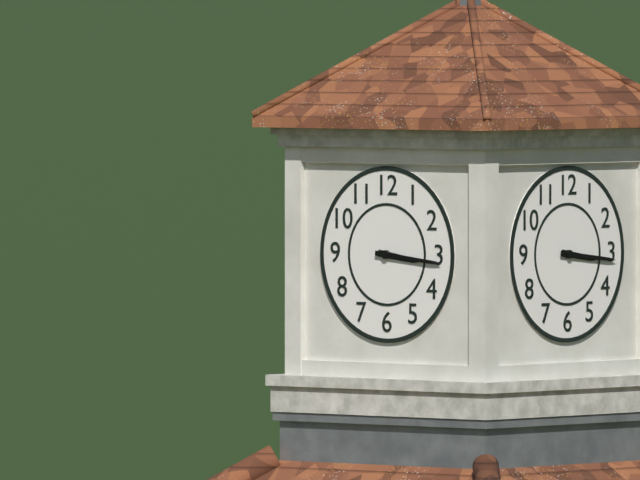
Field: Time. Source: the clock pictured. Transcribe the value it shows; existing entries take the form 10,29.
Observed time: 3,16
